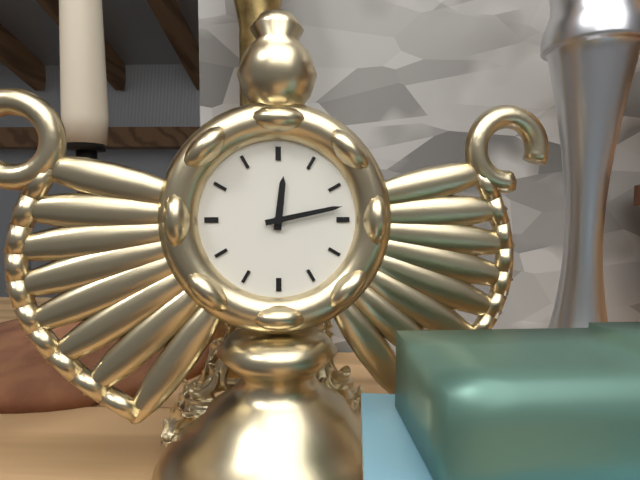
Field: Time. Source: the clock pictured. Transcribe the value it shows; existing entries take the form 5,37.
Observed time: 12,13
